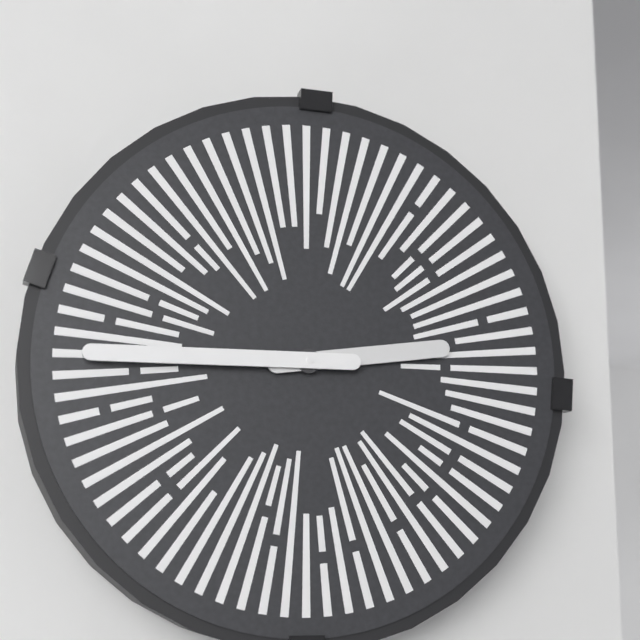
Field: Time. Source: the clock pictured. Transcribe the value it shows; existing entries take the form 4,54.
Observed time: 2,45
